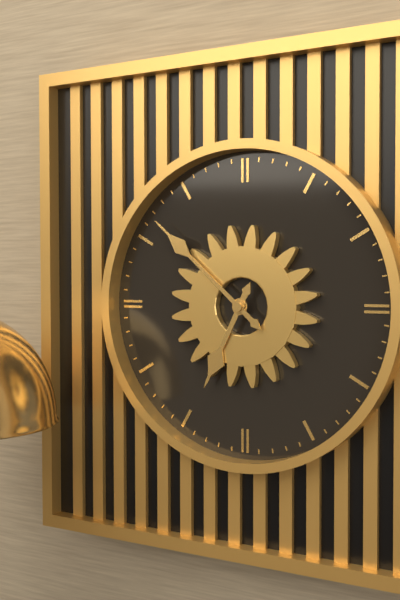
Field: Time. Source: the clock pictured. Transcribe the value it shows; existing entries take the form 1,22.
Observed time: 6,52
